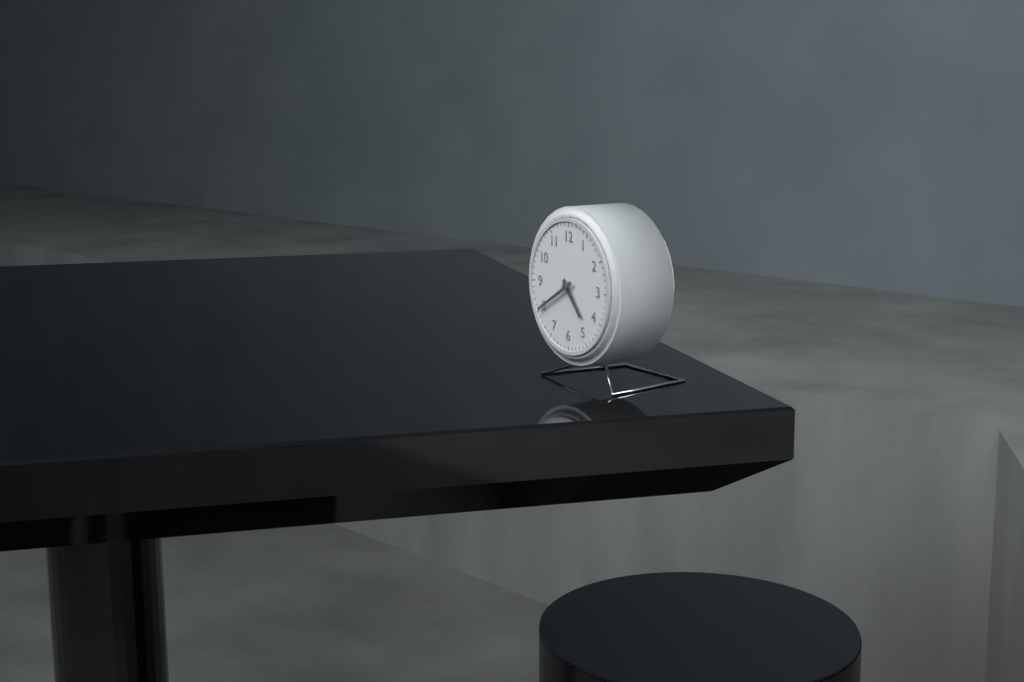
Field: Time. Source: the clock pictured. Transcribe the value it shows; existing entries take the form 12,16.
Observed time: 4,40
